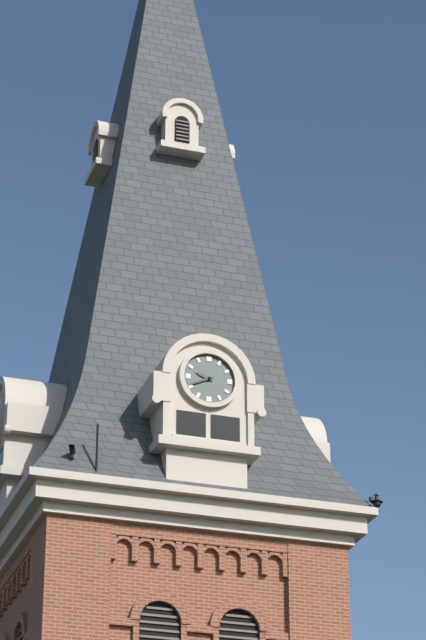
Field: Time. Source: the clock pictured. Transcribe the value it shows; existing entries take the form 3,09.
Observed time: 9,41
